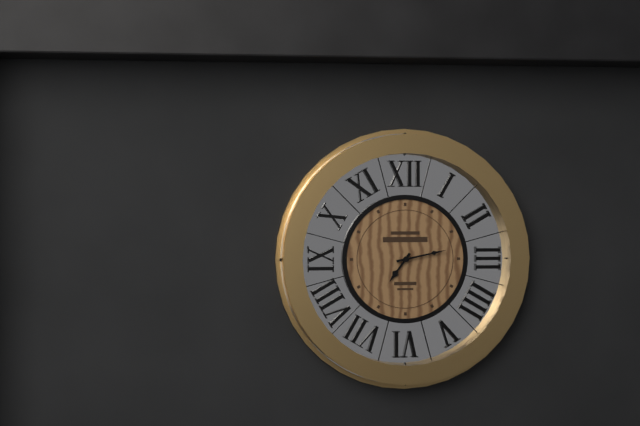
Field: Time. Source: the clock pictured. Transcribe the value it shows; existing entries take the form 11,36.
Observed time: 7,13
